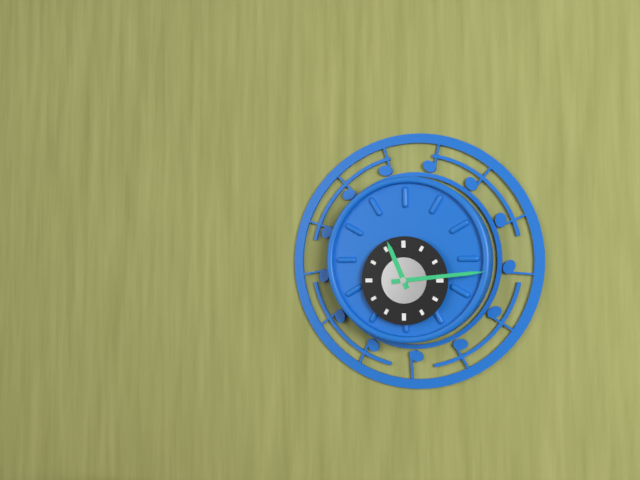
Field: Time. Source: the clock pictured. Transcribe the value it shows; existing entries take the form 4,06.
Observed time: 11,14
